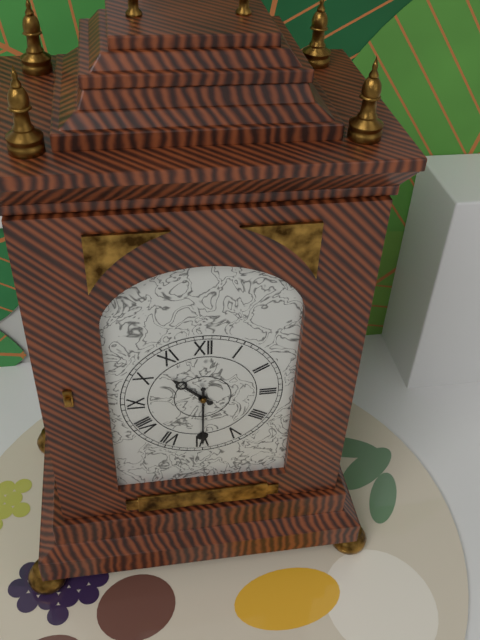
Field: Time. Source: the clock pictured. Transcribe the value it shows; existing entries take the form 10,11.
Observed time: 10,30
